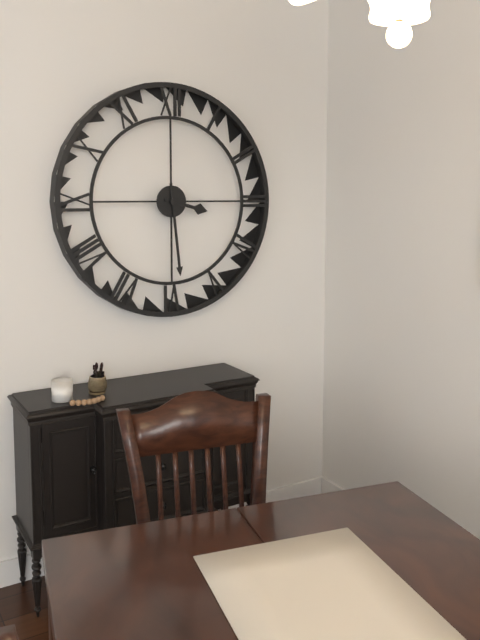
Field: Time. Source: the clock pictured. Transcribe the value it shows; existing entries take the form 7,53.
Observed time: 3,29
